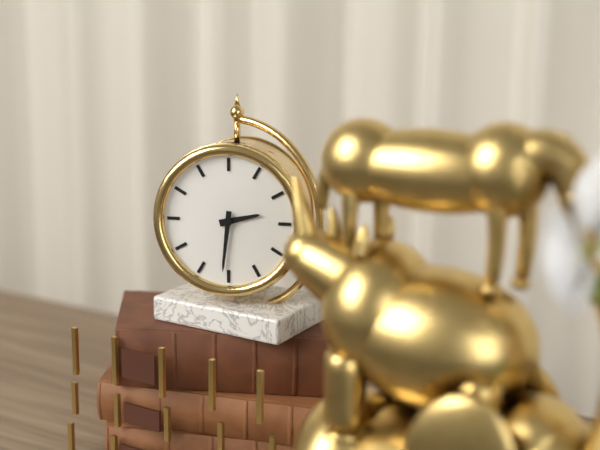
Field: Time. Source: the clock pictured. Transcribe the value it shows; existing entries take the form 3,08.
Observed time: 2,31
